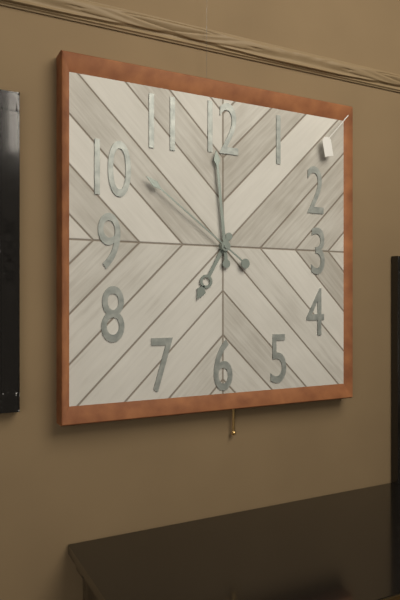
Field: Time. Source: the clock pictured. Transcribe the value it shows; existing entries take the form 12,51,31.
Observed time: 6,59,51
